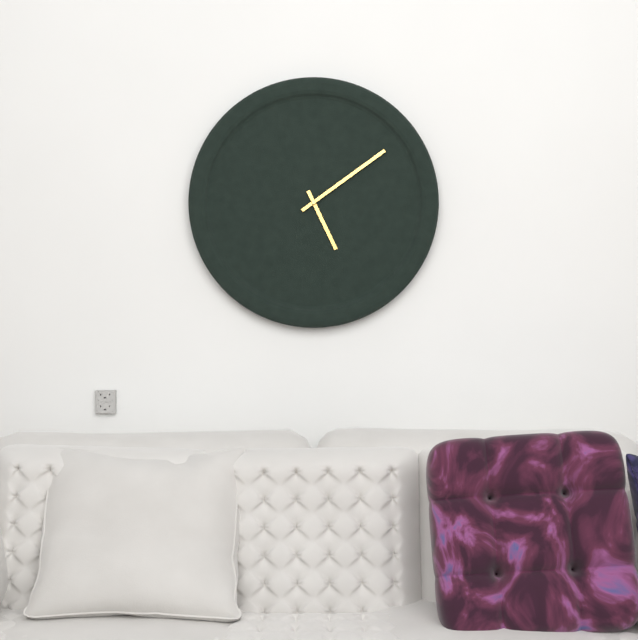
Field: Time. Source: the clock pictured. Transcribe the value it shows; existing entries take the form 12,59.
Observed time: 5,09
